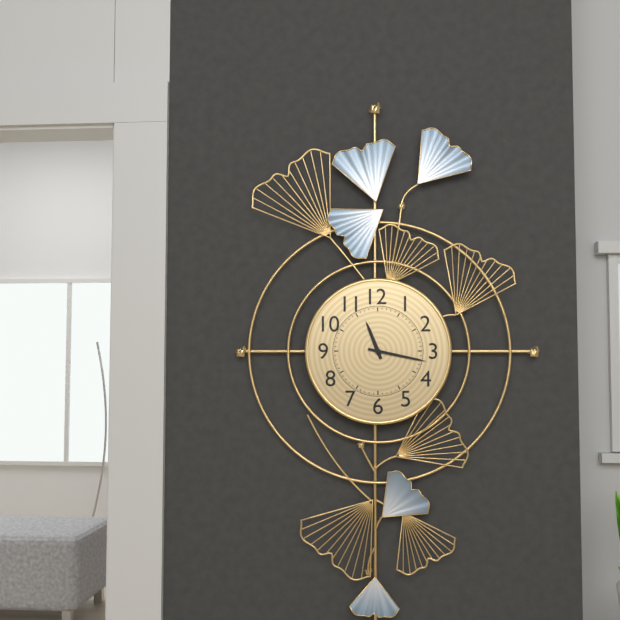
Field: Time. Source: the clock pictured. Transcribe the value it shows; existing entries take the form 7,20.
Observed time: 11,17
